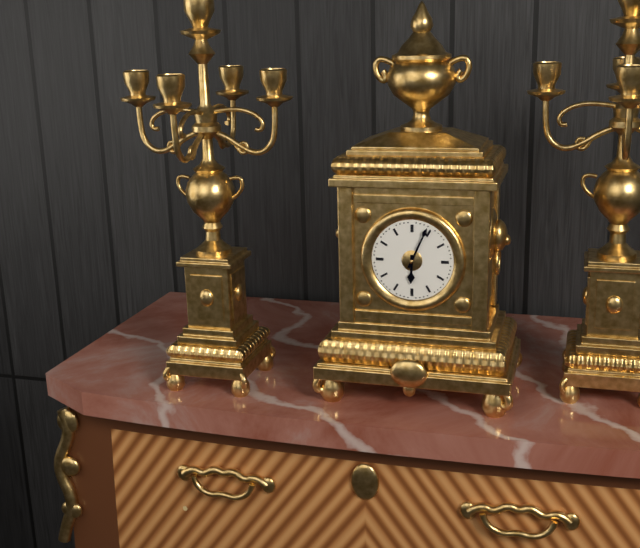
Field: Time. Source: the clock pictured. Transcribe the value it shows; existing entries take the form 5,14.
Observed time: 6,04
